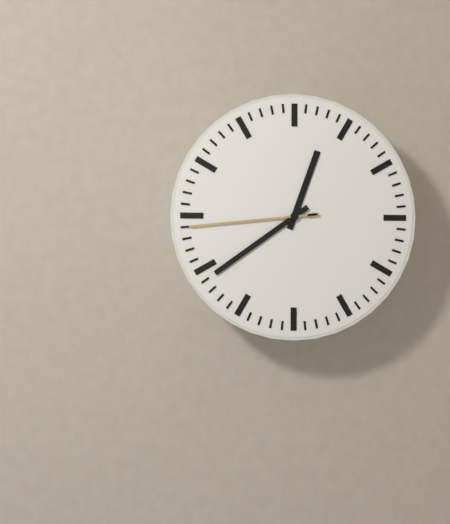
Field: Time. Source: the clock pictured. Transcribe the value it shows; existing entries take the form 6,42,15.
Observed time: 12,39,44
